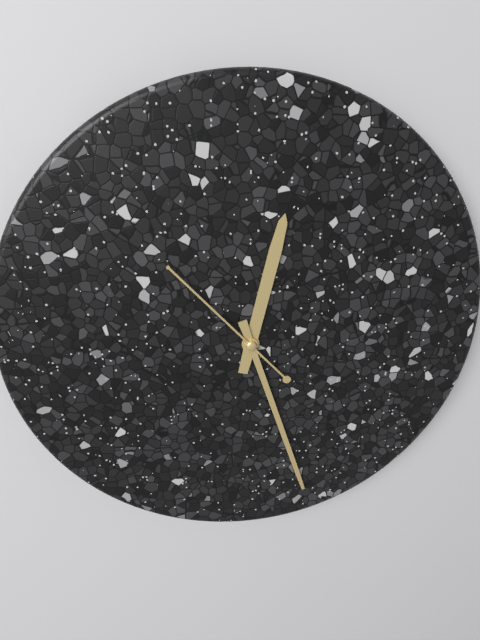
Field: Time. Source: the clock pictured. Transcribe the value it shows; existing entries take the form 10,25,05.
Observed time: 12,27,53
